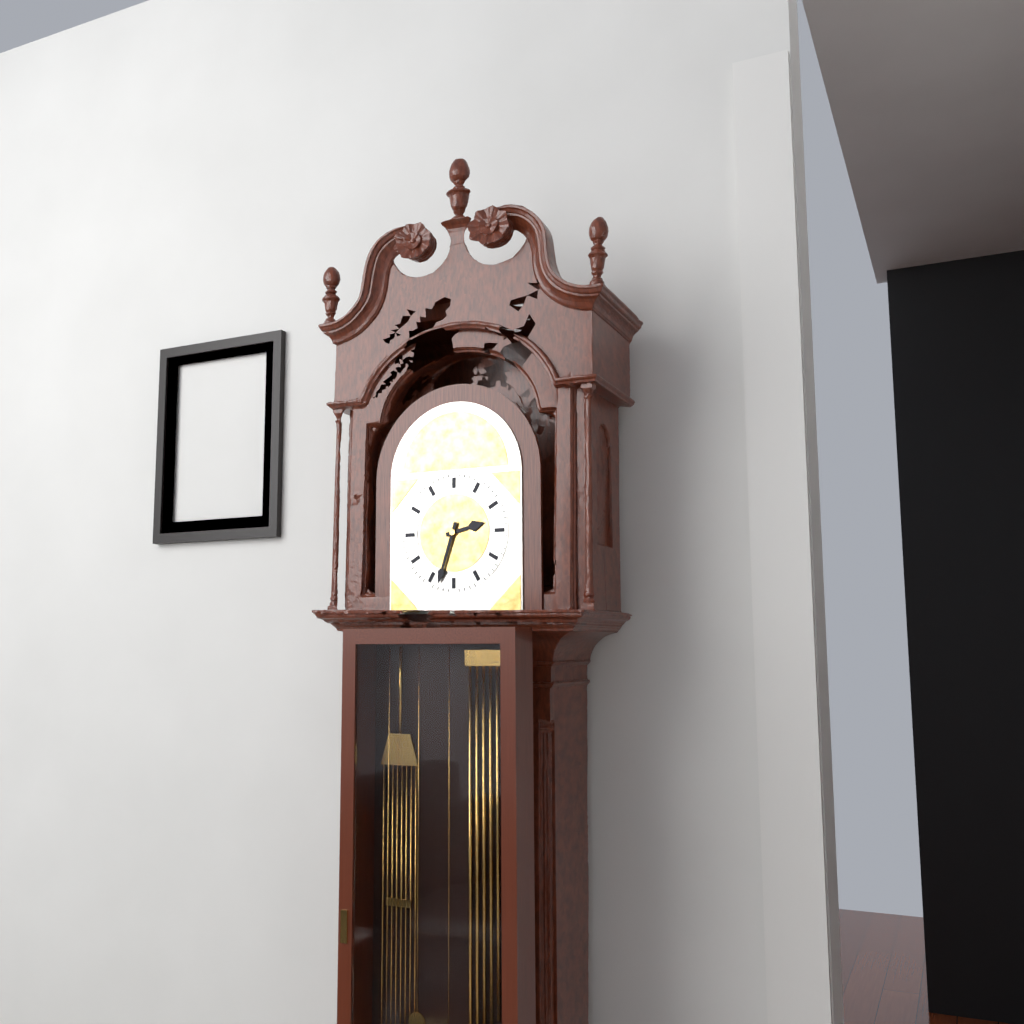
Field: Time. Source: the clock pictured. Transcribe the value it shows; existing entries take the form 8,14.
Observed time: 2,33
